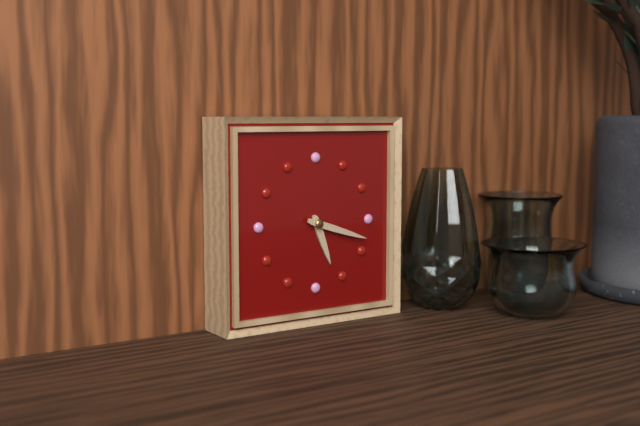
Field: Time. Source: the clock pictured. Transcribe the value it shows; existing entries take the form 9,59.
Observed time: 5,18
